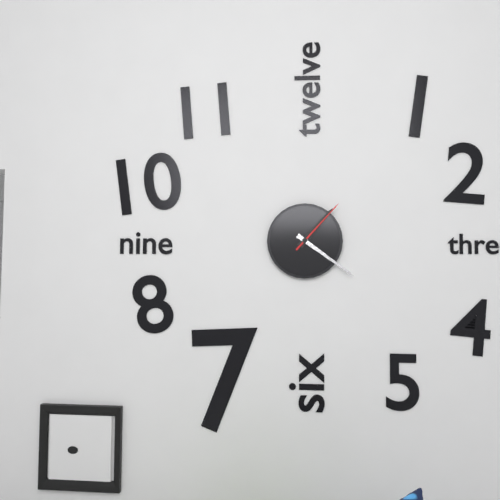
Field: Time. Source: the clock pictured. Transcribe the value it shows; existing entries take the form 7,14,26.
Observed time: 1,21,07
